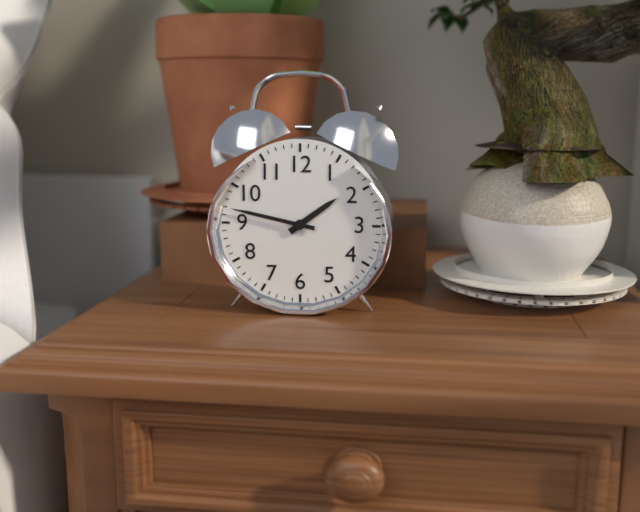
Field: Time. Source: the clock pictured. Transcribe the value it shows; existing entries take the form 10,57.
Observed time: 1,47
